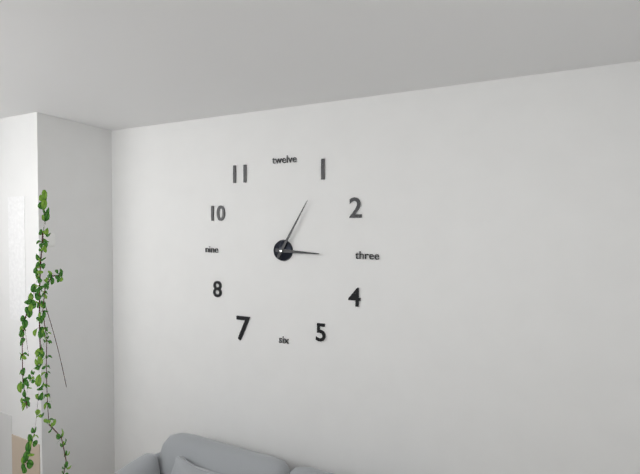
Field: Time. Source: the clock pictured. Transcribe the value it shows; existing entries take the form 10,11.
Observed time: 3,05
